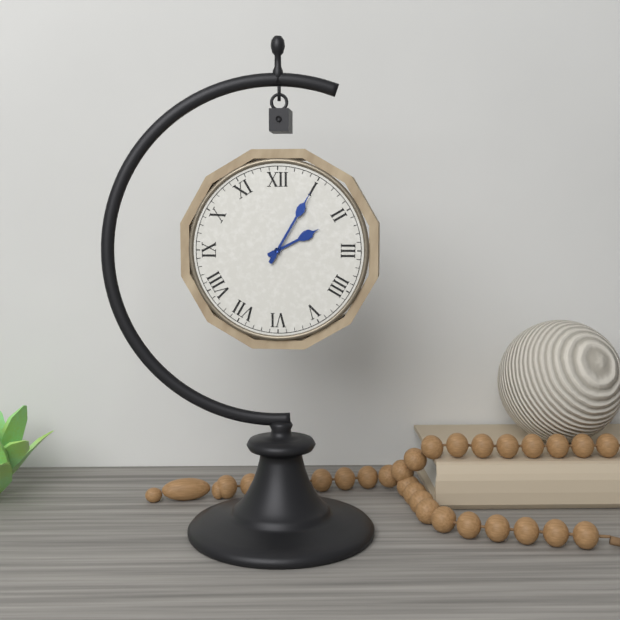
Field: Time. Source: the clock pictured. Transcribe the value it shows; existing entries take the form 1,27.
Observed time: 2,05
